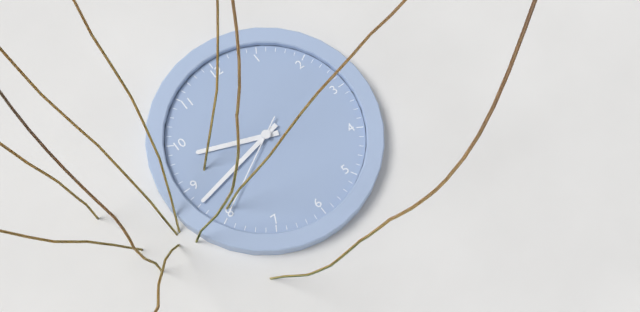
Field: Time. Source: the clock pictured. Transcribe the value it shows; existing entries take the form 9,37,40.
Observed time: 9,43,40
